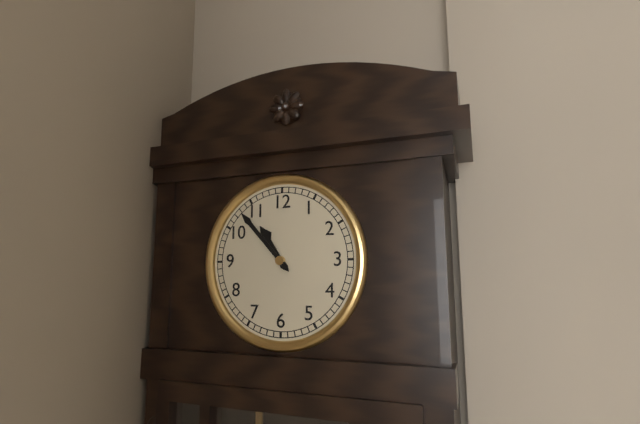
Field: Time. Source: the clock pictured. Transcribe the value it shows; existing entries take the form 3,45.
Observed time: 10,53
